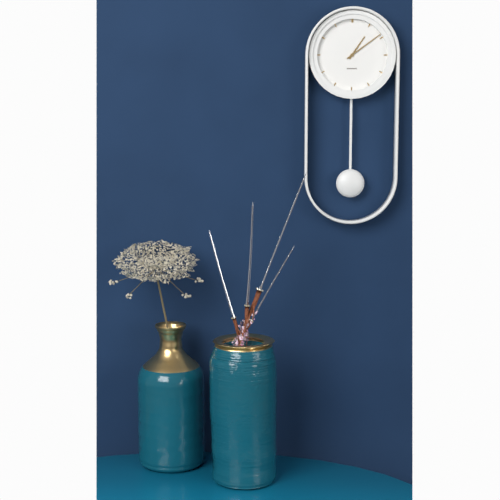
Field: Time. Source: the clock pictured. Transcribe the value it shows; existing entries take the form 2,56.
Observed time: 1,09
